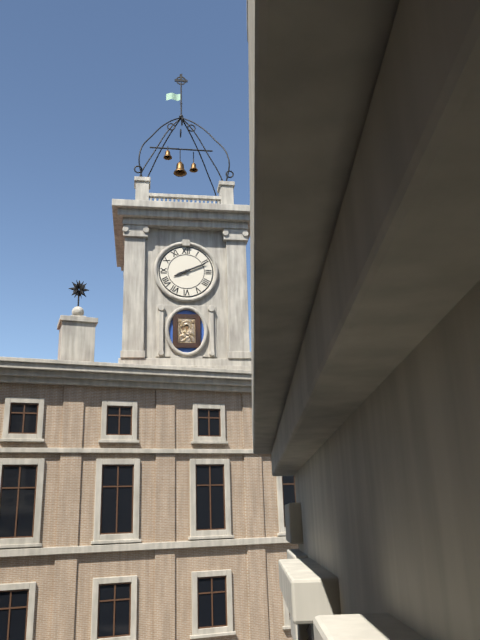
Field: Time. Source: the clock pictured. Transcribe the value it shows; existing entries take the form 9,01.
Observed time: 8,11
